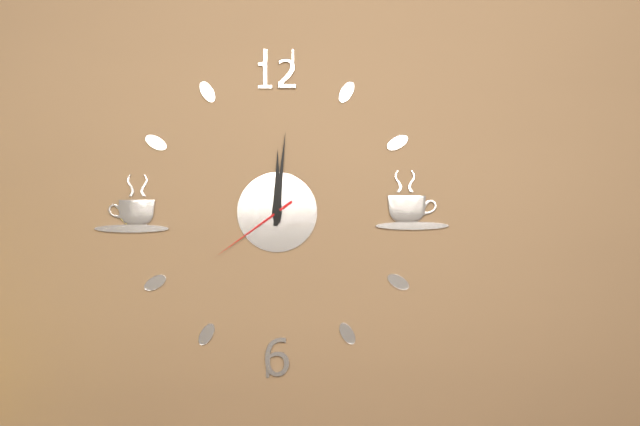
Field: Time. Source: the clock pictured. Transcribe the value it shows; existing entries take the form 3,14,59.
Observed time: 12,01,39
